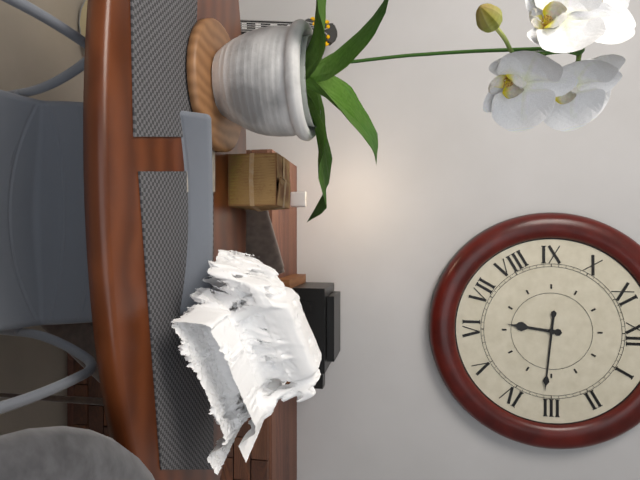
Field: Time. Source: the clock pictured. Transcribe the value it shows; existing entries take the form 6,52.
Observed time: 6,16
